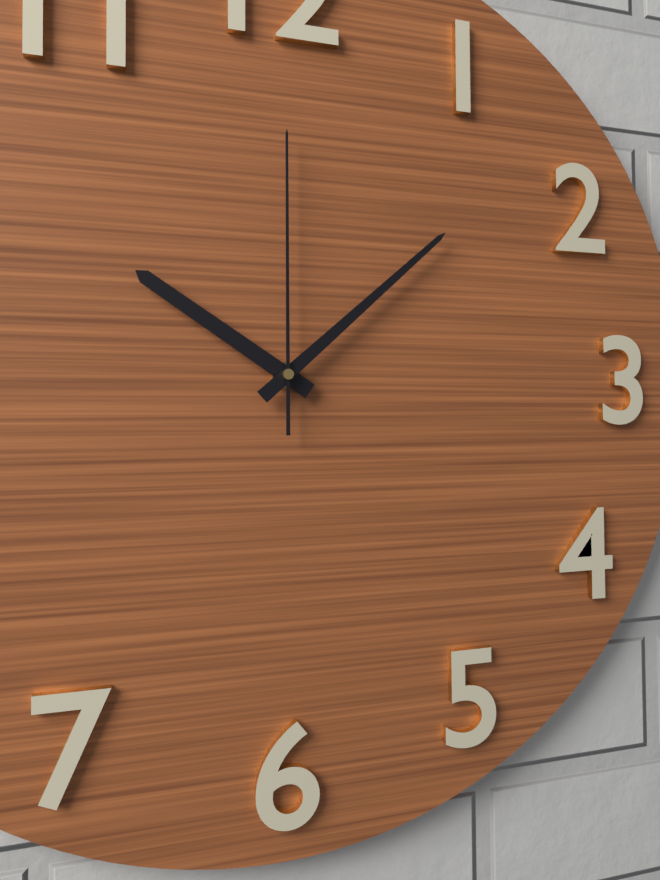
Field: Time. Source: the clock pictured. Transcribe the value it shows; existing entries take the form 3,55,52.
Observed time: 10,08,00
